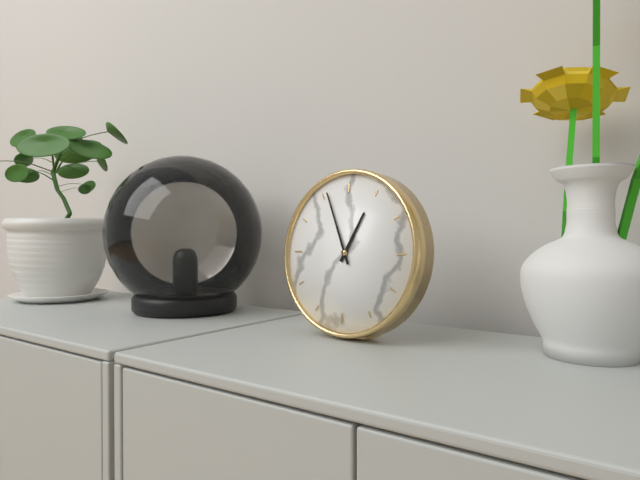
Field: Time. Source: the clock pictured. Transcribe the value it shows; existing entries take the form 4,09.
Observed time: 12,56
